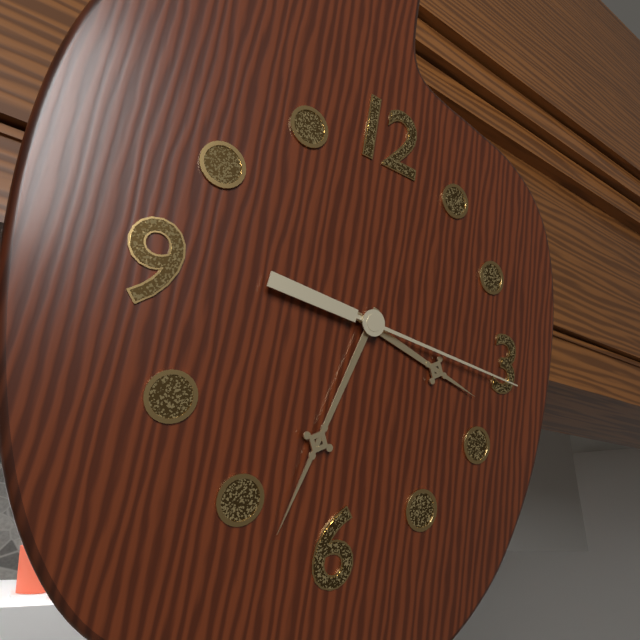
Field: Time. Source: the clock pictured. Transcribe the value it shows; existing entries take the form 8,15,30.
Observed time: 3,33,16
